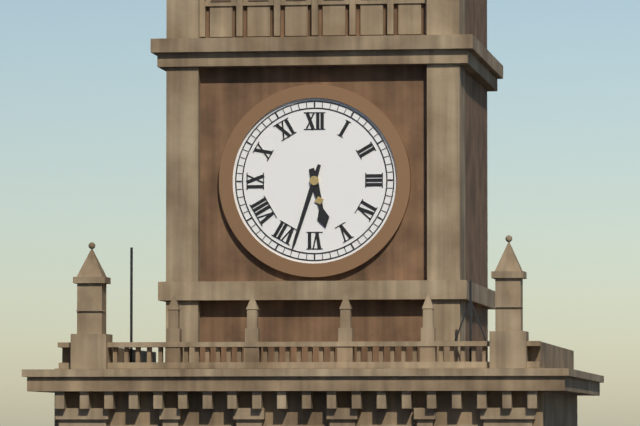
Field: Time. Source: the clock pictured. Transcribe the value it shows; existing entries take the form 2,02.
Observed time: 5,33
